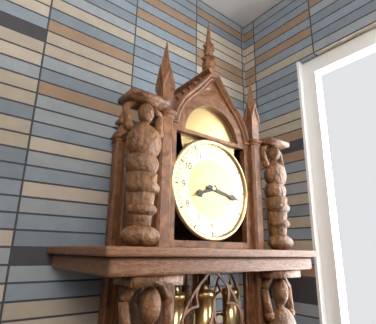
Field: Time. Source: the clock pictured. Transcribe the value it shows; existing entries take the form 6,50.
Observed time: 8,17
